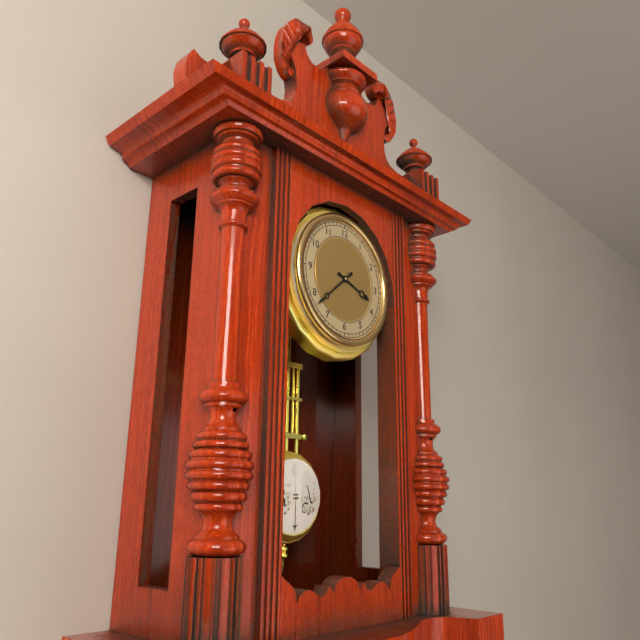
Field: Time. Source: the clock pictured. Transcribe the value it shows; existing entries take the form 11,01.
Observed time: 3,38
